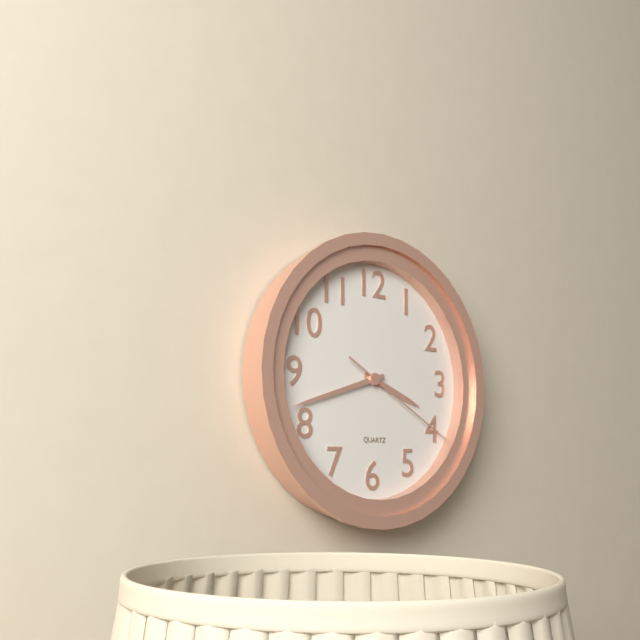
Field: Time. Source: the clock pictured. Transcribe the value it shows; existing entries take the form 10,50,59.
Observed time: 3,42,20
